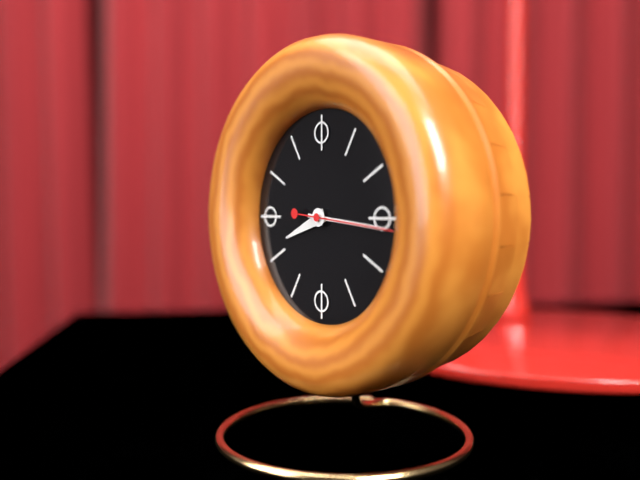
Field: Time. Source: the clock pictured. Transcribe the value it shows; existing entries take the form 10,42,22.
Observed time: 8,16,16
